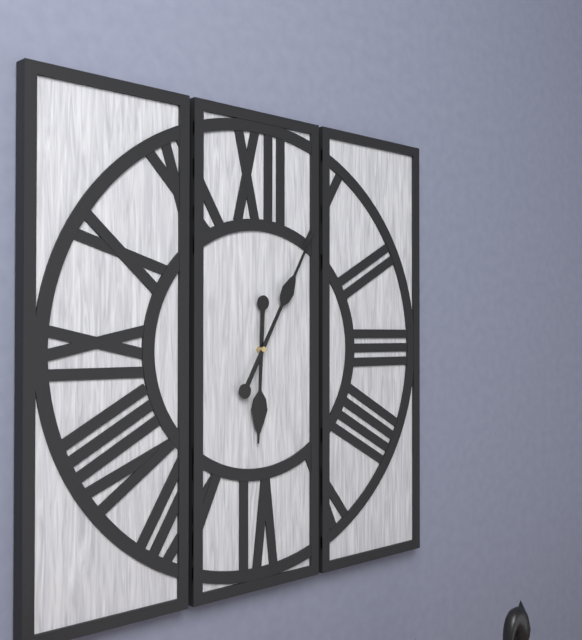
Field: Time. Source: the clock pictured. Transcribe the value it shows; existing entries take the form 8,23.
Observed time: 6,05
